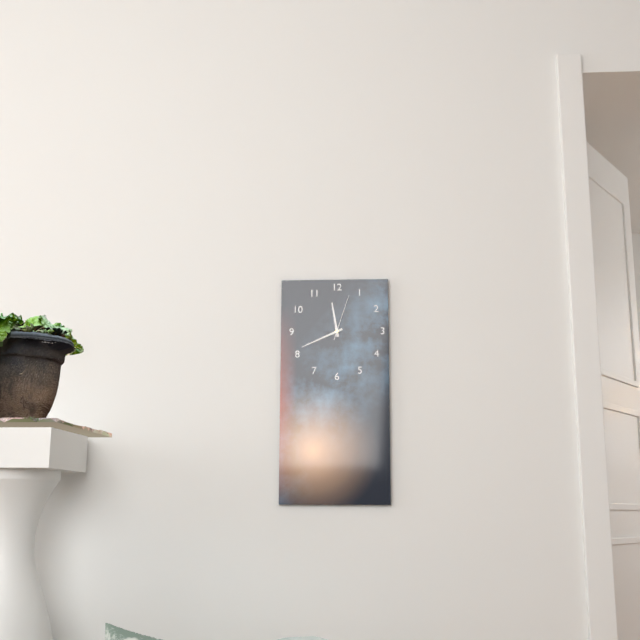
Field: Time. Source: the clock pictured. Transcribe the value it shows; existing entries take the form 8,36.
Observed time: 11,41
